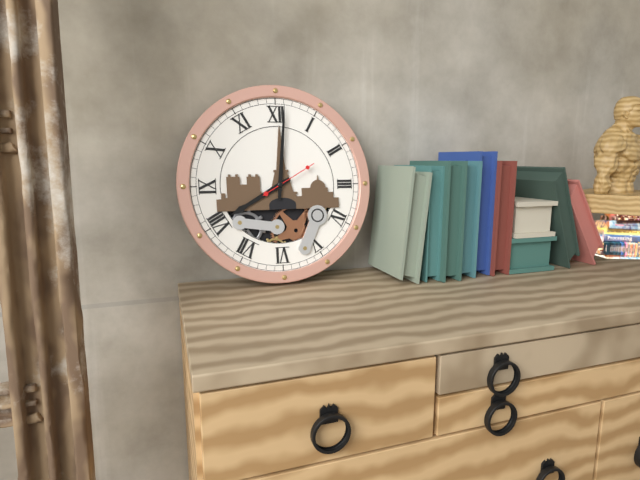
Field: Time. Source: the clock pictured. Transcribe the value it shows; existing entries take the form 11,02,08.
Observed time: 8,01,10
